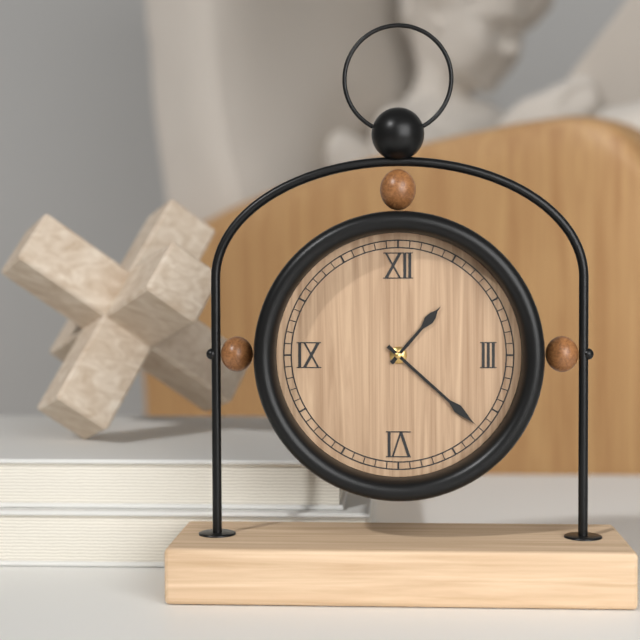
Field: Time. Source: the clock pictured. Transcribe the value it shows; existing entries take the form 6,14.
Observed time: 1,22
